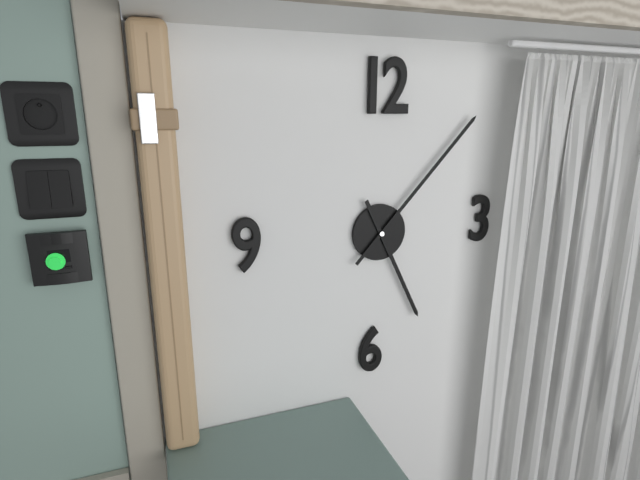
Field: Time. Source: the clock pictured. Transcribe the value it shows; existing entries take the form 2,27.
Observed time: 5,07
